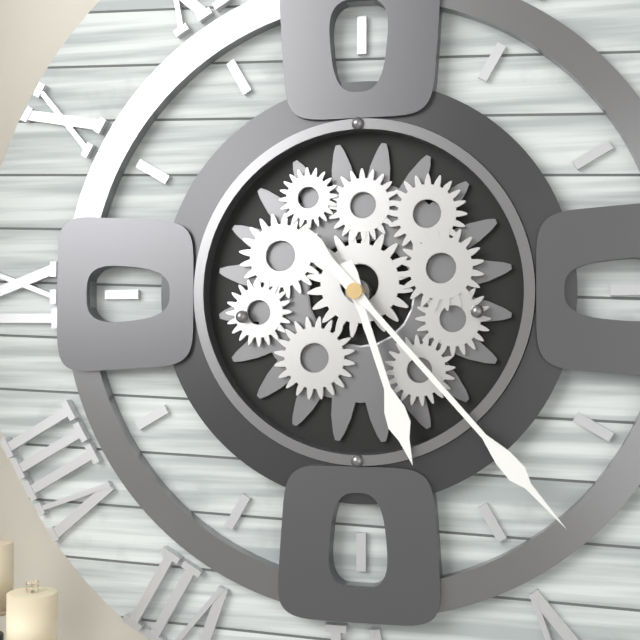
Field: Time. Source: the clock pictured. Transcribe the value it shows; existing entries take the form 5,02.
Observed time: 5,23
